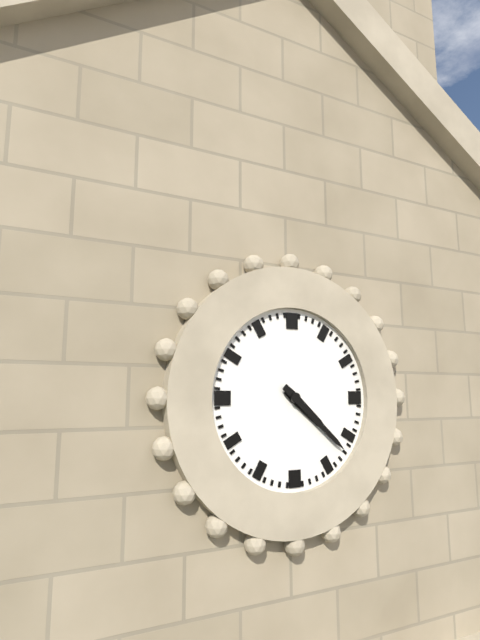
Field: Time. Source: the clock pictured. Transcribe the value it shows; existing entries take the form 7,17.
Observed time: 4,22
